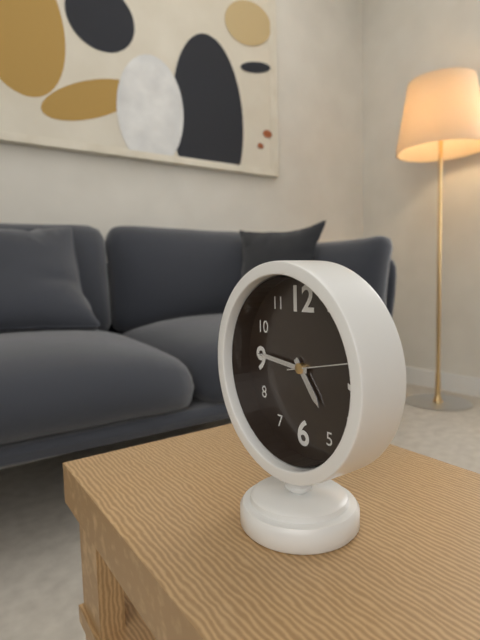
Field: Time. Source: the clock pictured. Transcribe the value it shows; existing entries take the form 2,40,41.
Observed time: 4,46,13
